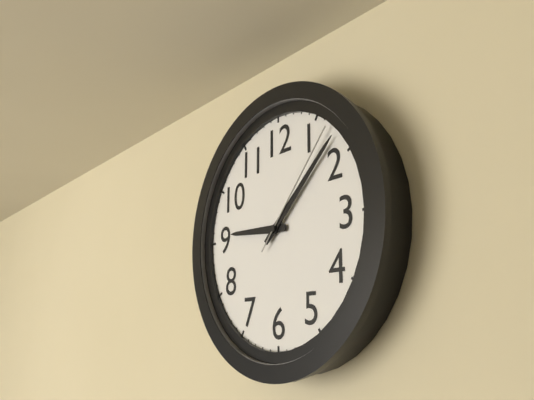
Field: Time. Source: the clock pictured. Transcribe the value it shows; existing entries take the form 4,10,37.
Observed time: 9,08,07
